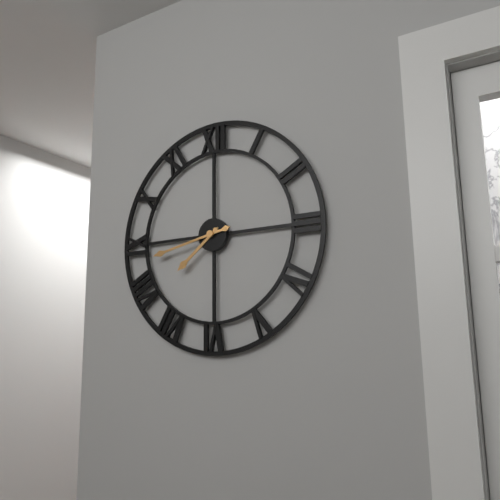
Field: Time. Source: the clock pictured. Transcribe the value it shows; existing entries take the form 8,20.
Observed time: 7,43
